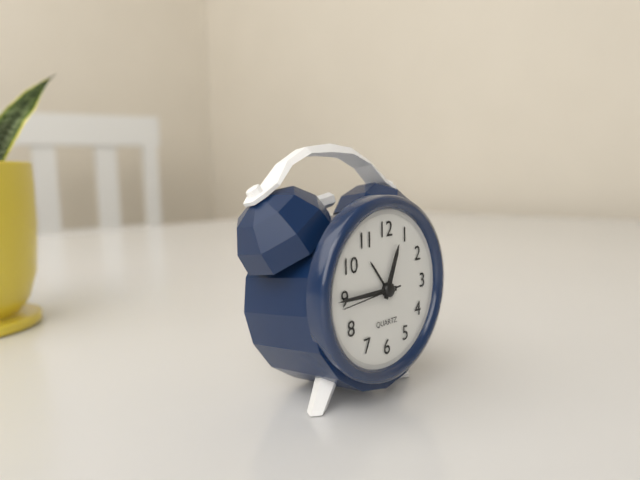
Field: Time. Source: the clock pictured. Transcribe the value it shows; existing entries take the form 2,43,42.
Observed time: 12,45,44
